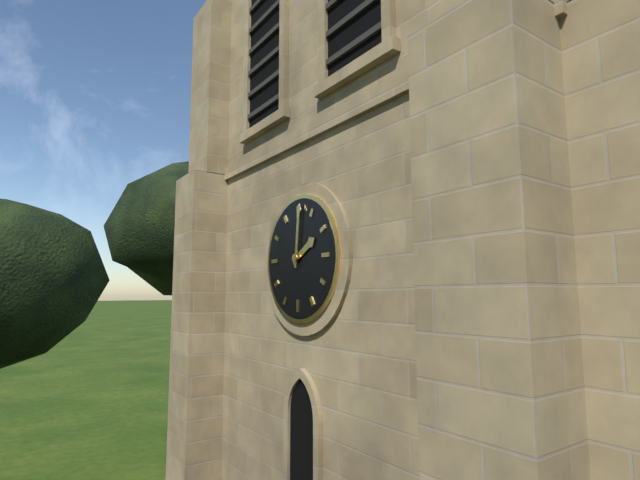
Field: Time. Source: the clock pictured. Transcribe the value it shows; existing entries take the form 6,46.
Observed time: 2,01
